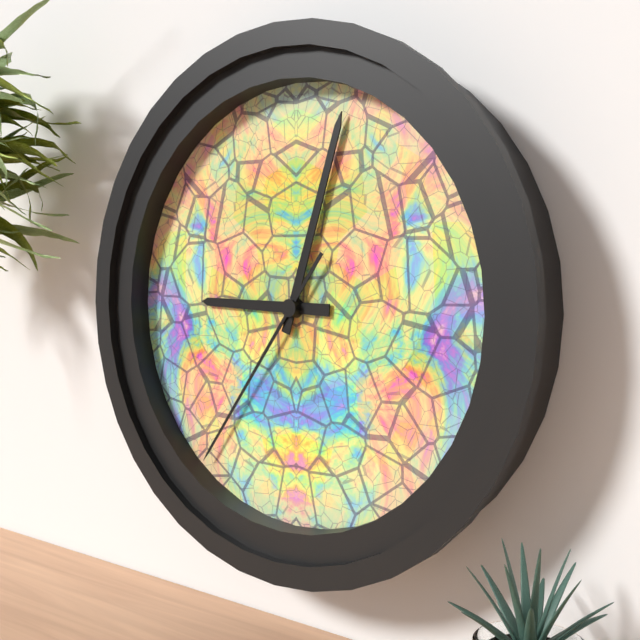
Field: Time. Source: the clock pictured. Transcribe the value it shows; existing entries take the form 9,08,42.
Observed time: 9,03,36
